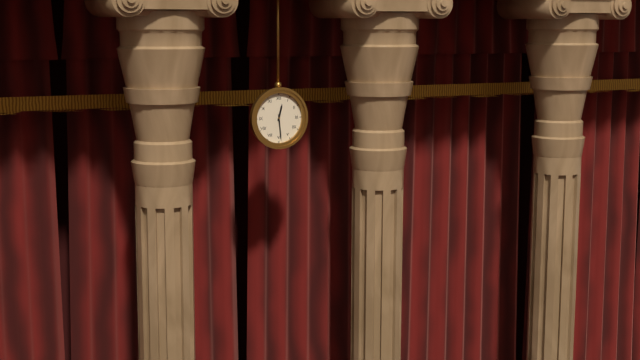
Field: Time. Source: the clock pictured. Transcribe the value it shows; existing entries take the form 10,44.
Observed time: 12,29
